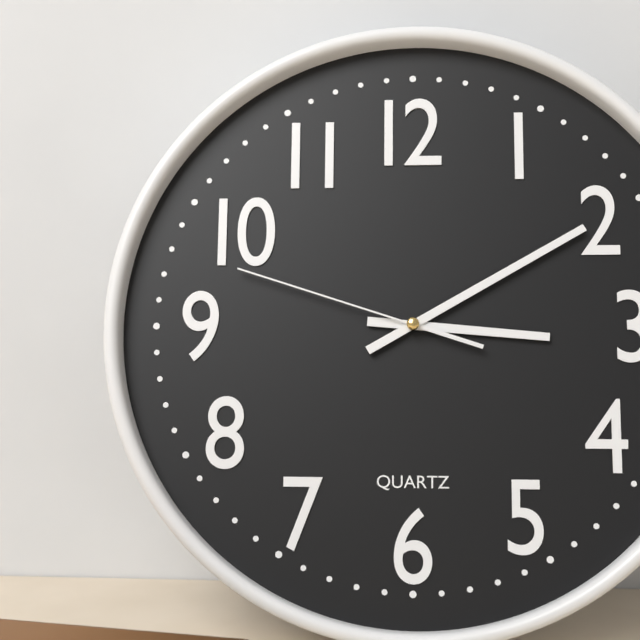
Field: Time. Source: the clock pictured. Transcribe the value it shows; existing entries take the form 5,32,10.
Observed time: 3,10,48
